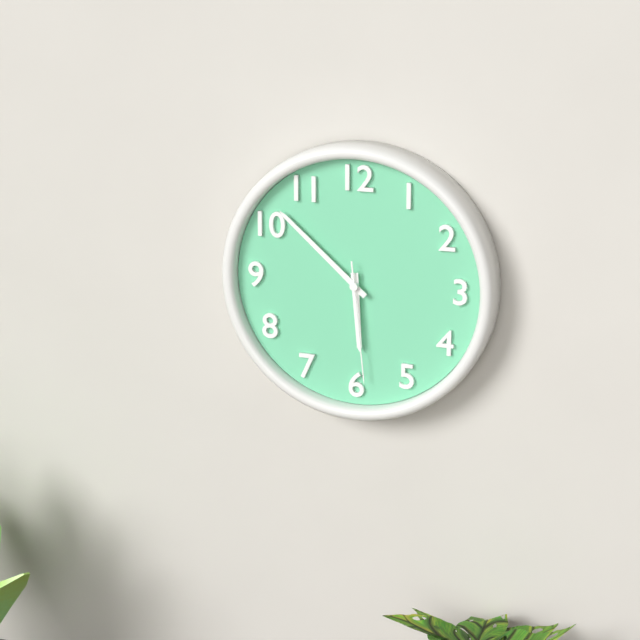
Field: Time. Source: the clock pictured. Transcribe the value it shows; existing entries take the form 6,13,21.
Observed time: 5,52,29
